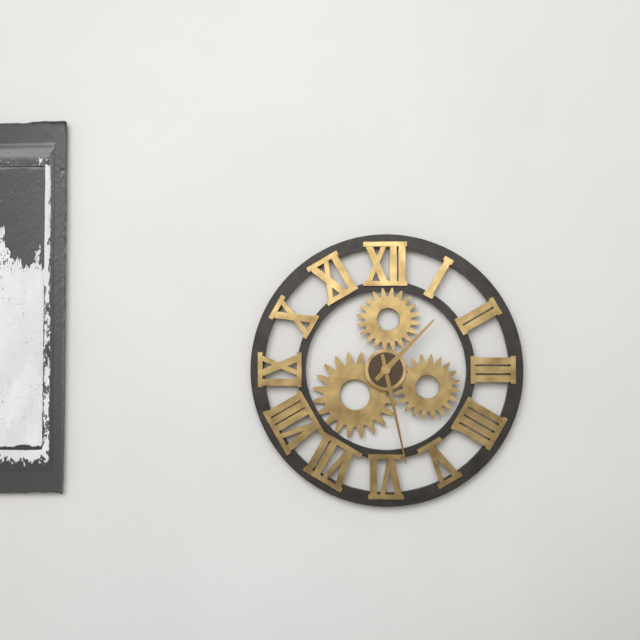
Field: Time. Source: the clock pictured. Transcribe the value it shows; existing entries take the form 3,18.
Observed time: 1,28
